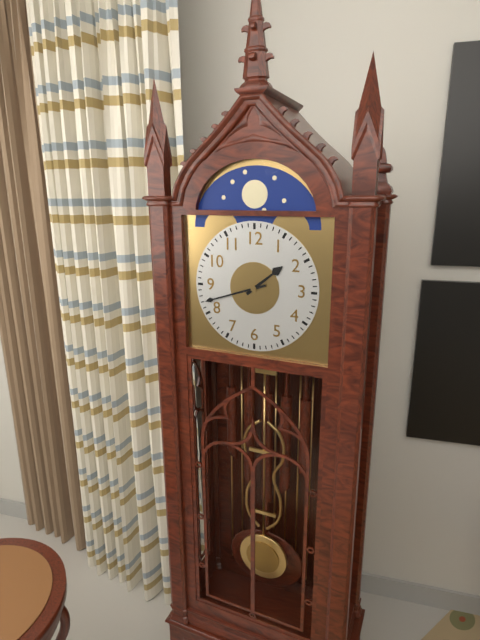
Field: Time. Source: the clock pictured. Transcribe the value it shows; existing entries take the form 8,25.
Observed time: 1,42
